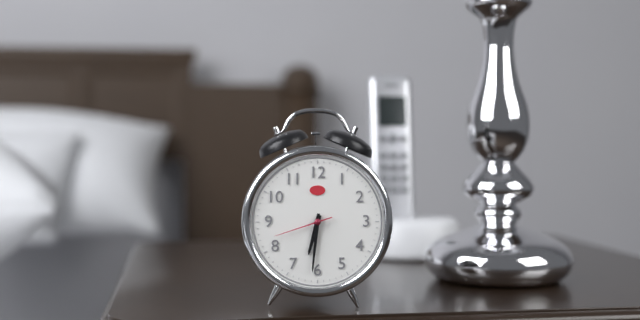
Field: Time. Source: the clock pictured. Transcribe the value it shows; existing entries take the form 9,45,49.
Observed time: 6,31,42
